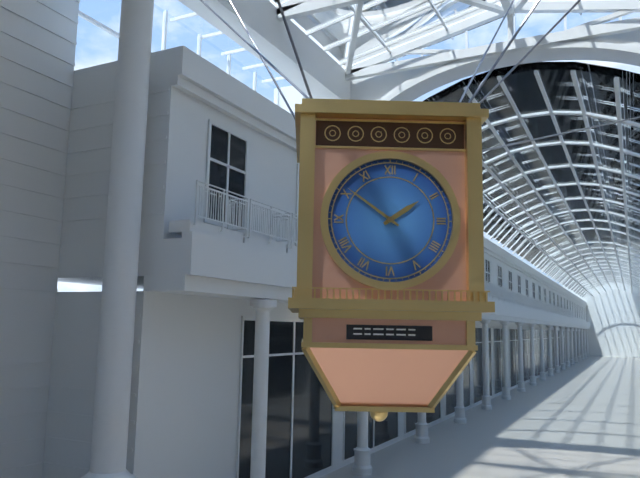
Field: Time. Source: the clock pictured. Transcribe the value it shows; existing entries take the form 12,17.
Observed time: 1,51
